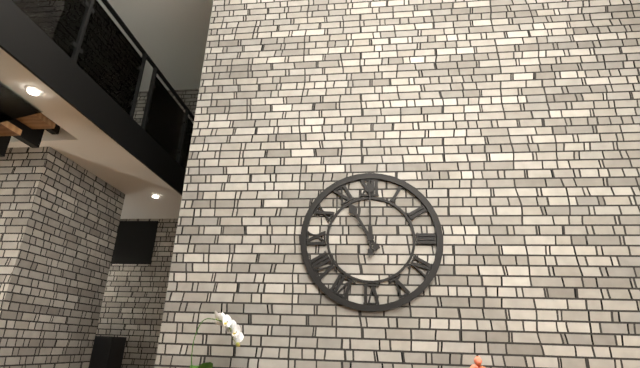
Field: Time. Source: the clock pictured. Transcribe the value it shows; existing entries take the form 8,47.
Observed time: 11,00
